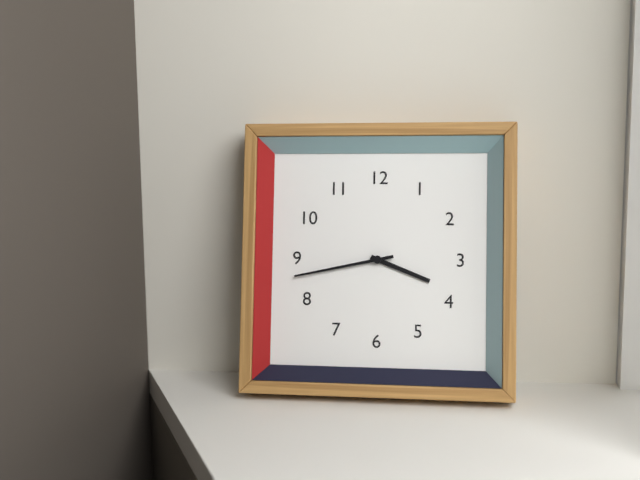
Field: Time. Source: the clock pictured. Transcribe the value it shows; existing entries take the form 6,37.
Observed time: 3,43
